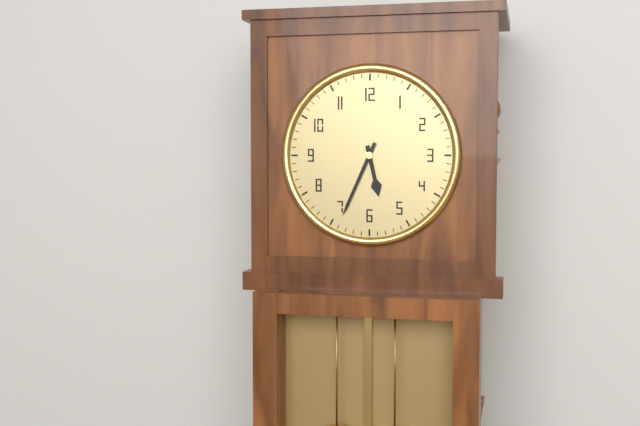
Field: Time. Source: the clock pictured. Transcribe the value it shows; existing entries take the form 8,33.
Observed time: 5,34
